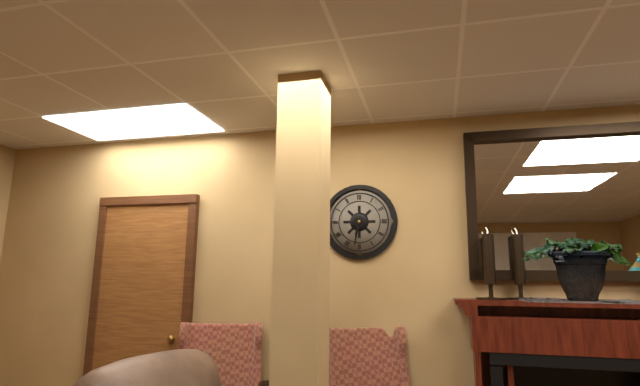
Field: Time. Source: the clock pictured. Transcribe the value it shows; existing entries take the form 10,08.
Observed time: 6,32
